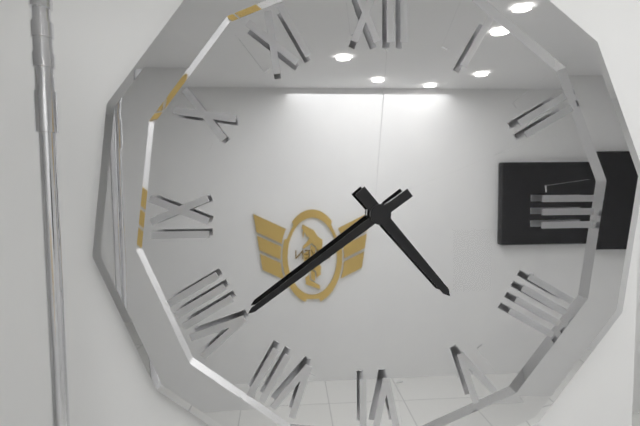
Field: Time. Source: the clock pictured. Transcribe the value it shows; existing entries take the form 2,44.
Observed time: 4,39
